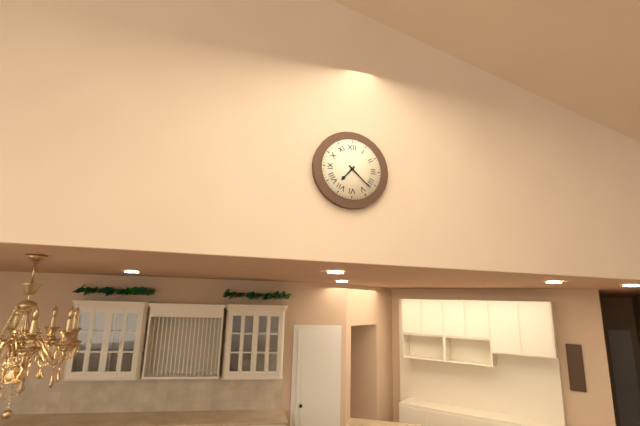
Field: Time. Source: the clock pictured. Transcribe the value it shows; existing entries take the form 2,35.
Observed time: 7,22
